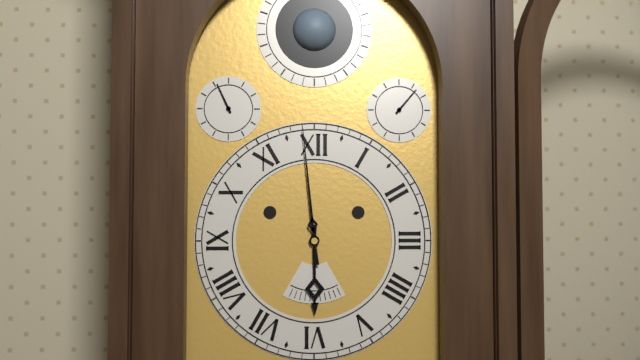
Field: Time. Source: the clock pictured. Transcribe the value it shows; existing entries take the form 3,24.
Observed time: 5,59
